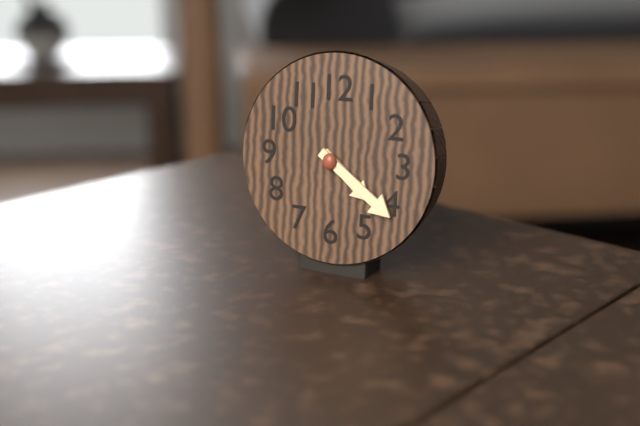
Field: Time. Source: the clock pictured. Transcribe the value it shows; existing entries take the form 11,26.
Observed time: 4,21
